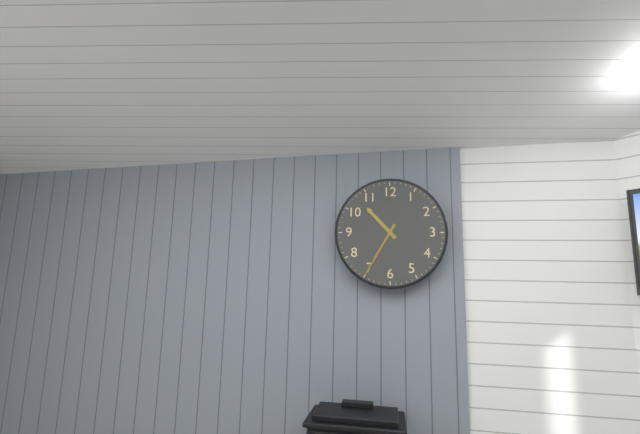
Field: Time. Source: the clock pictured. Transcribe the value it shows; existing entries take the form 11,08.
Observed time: 10,35
